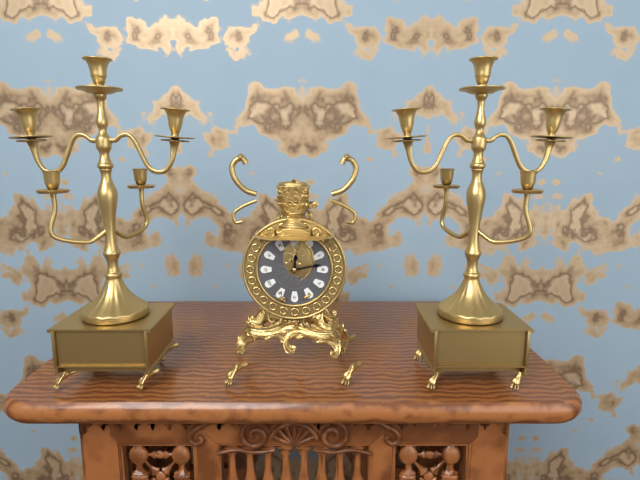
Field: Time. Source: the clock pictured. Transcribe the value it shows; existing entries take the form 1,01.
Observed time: 12,13
